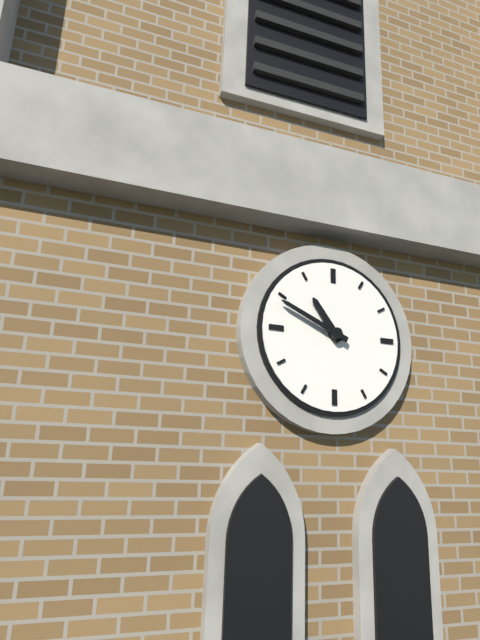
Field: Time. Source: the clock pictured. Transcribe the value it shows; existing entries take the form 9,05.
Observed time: 10,49
